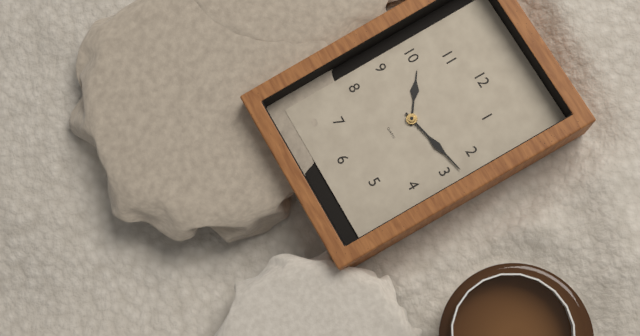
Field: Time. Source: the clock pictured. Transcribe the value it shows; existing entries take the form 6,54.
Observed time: 10,13
